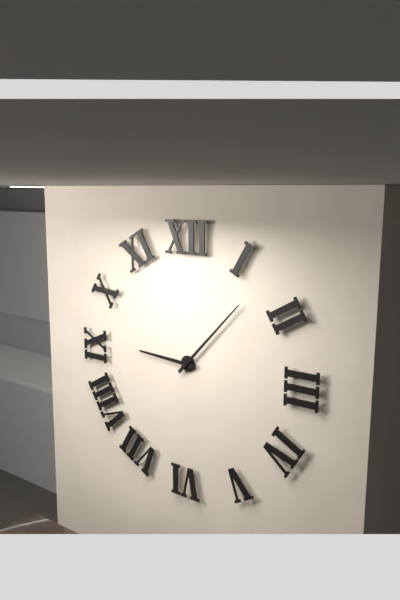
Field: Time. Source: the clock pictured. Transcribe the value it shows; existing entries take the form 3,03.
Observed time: 9,07
